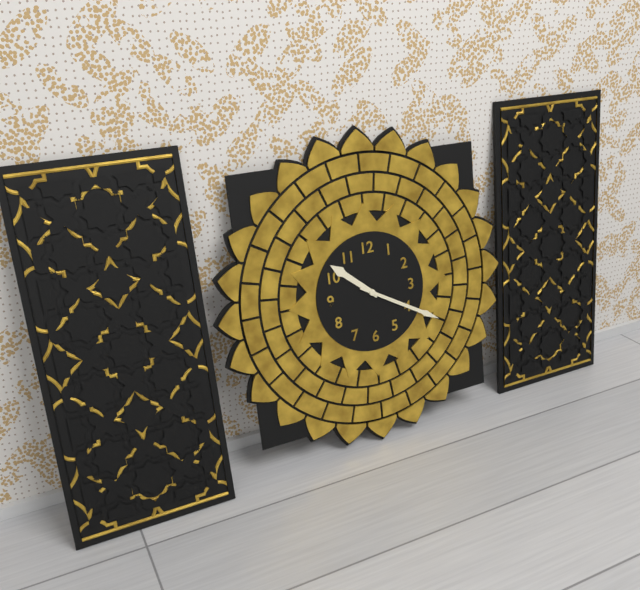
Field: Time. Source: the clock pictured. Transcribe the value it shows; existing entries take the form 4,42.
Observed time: 10,20
